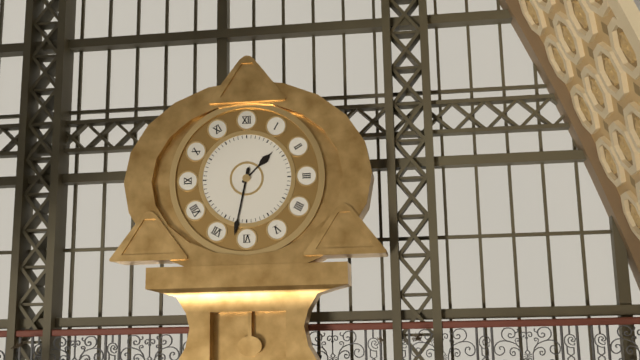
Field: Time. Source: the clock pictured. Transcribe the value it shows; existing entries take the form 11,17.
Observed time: 1,32
